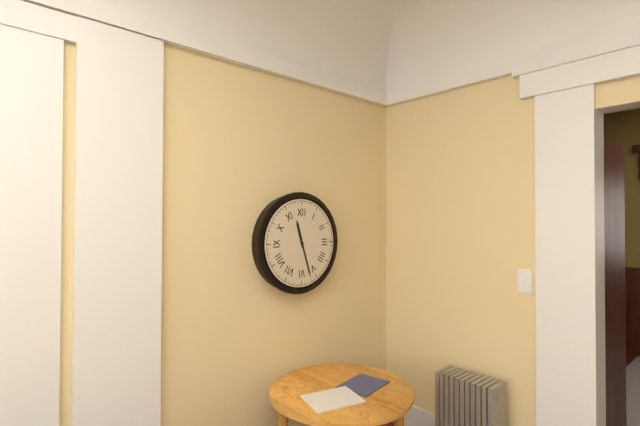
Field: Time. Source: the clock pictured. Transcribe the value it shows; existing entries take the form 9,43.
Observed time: 11,27
